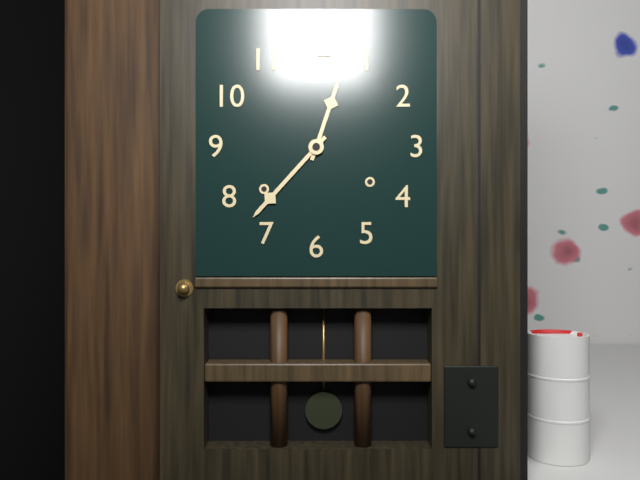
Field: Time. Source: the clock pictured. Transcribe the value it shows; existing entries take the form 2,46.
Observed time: 12,37
